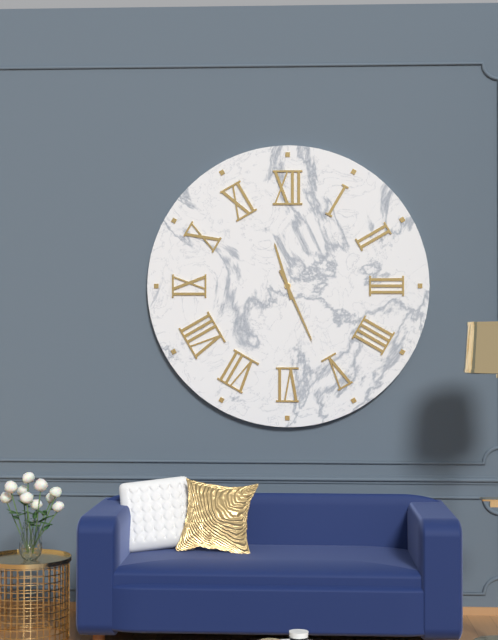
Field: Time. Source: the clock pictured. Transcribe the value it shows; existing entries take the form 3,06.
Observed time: 11,26
